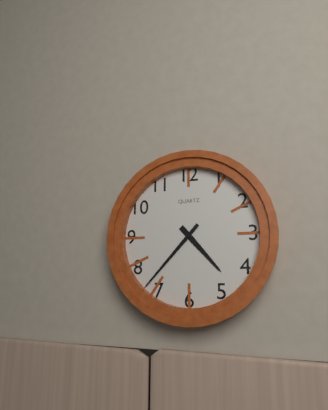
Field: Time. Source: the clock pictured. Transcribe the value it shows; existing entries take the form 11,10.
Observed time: 4,37
